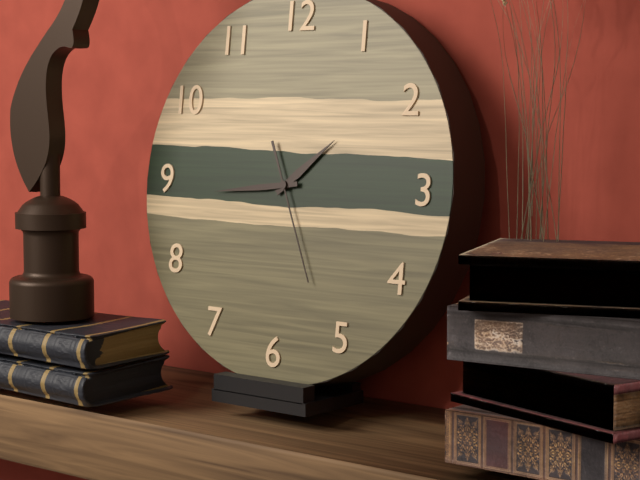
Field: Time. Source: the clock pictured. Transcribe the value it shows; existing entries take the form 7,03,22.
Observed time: 1,44,26
